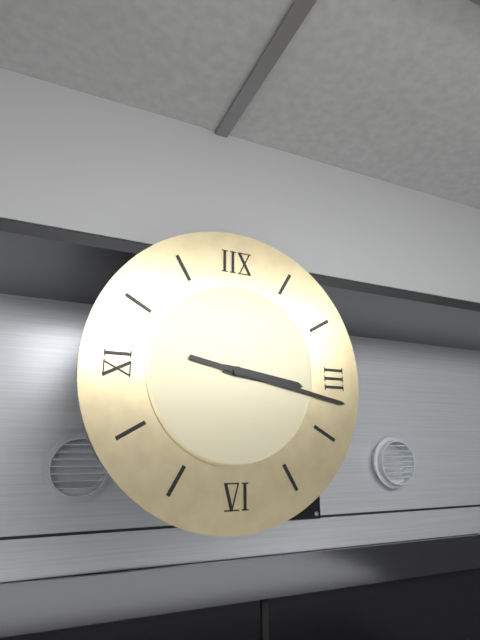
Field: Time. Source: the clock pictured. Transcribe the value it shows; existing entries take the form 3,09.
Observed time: 3,17
